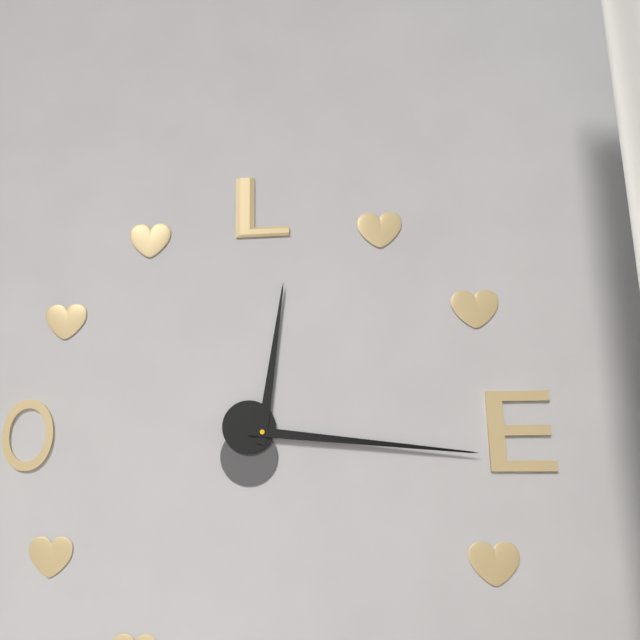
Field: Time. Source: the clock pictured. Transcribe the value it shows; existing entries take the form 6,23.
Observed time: 12,16
